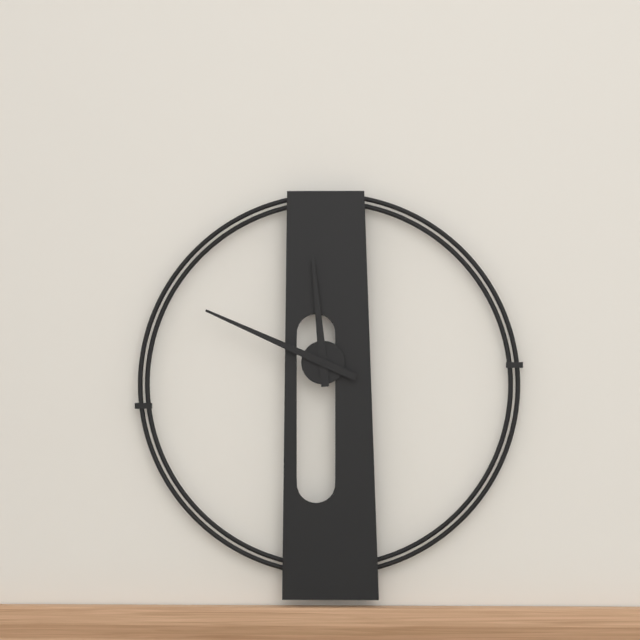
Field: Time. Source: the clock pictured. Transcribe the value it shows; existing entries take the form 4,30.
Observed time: 11,49
